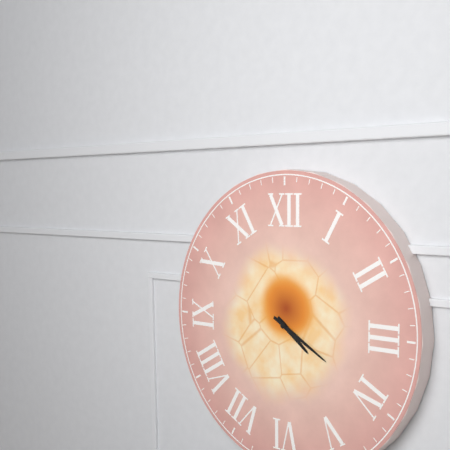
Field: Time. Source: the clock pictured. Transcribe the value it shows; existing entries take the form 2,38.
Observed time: 4,20
